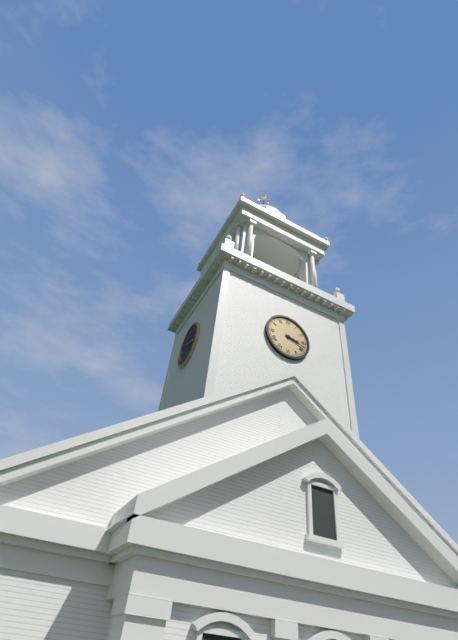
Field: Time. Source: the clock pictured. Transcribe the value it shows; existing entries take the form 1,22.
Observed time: 3,18
